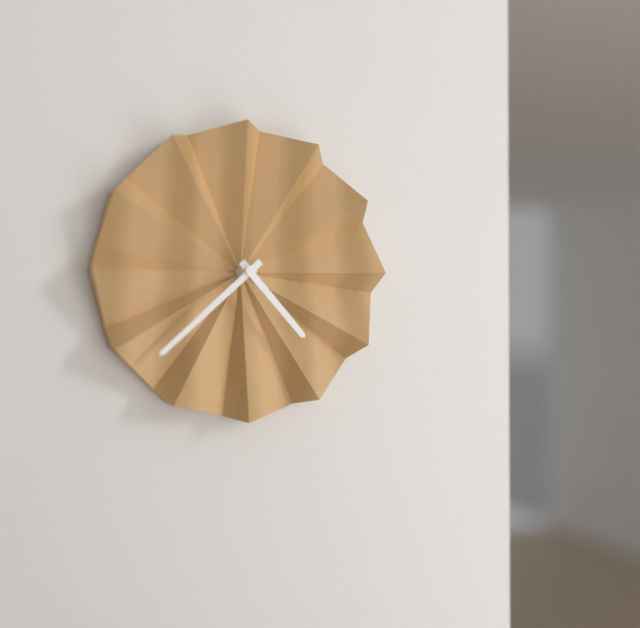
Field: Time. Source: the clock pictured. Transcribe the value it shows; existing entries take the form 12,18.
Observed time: 4,38
